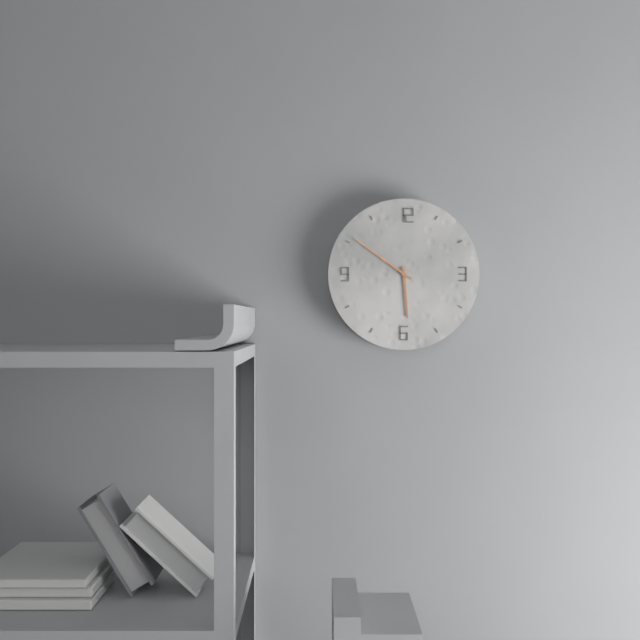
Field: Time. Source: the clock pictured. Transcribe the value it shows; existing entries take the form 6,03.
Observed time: 5,51
